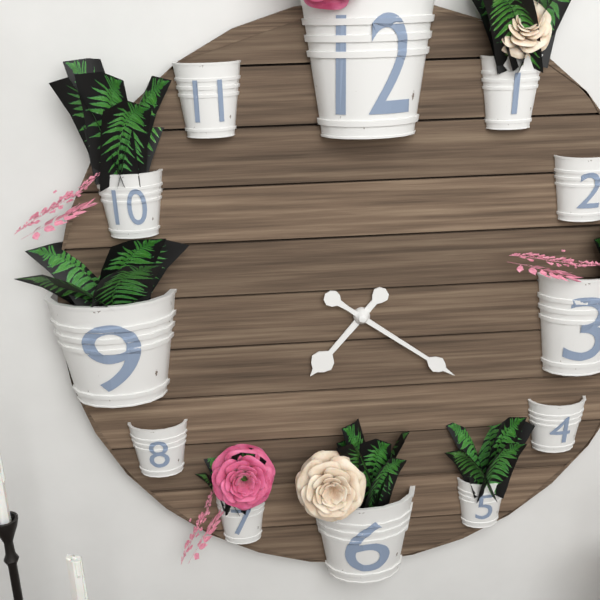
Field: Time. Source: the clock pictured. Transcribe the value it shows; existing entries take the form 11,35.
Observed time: 7,21
